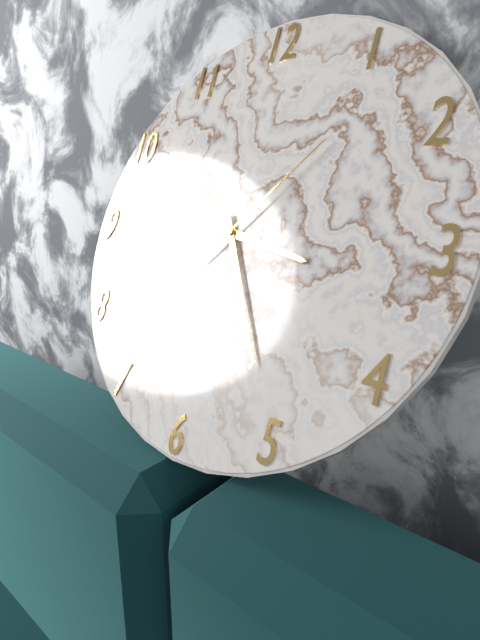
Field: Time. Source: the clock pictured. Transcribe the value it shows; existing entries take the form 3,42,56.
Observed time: 3,25,07
